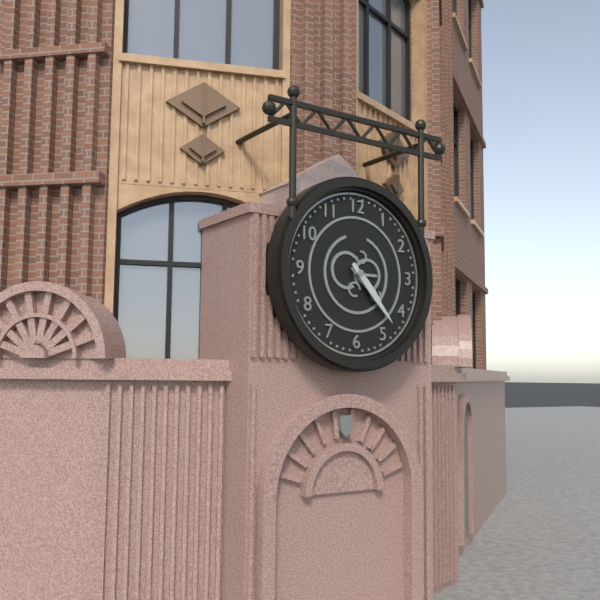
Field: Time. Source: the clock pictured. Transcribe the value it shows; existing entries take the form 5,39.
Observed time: 4,23
